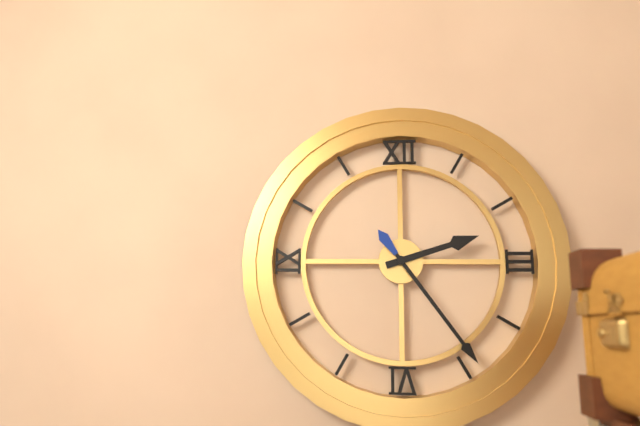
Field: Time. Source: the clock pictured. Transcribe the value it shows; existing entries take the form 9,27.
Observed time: 2,24
